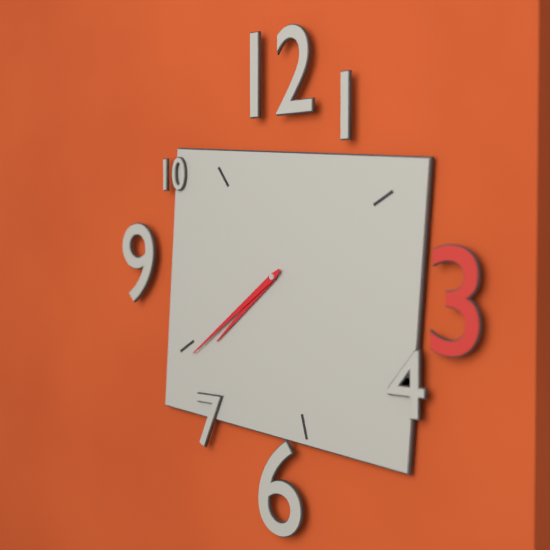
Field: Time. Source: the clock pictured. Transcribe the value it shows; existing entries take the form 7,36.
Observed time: 7,39
